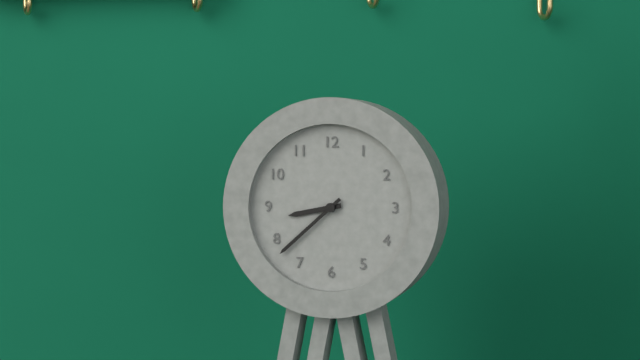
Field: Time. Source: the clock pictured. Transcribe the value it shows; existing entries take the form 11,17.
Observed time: 8,38
